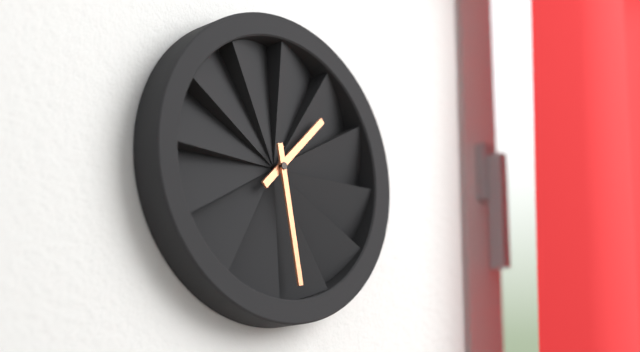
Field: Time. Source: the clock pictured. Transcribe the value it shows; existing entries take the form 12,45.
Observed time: 1,28
